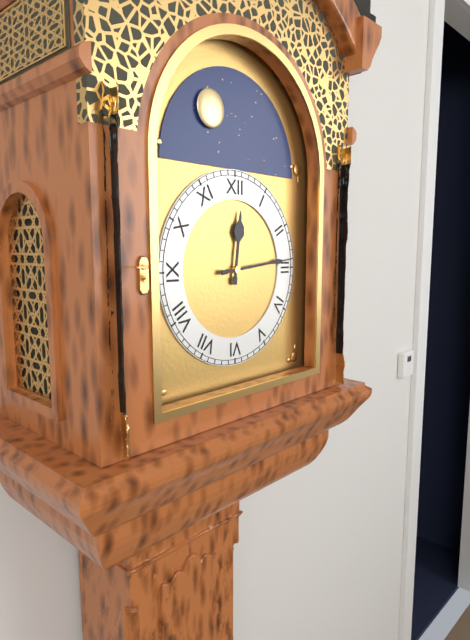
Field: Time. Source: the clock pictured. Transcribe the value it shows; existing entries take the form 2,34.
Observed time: 12,14
